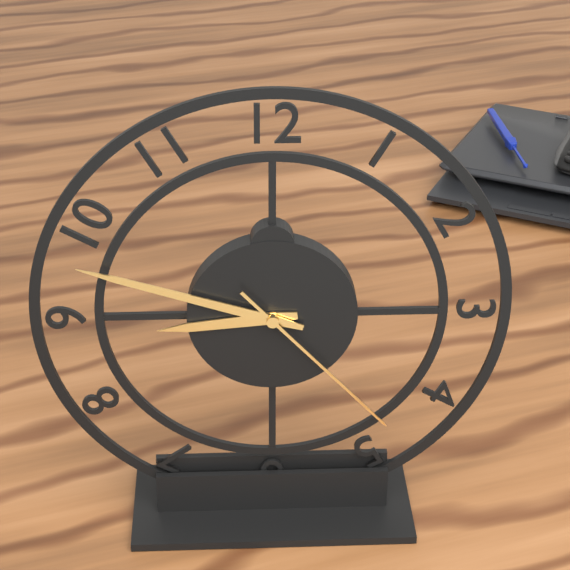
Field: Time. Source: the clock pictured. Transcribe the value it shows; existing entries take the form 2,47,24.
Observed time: 8,48,23
